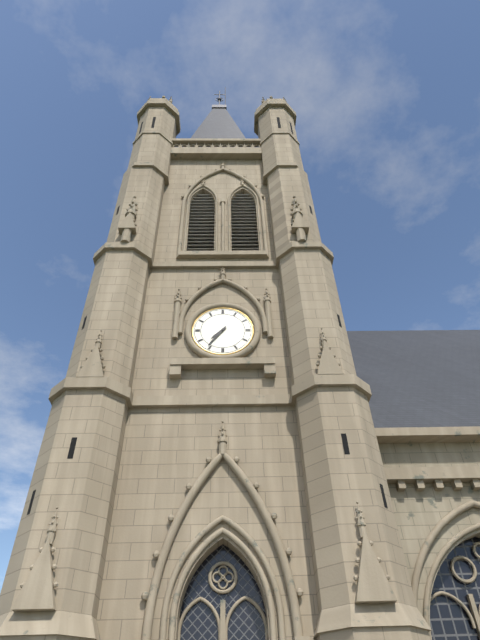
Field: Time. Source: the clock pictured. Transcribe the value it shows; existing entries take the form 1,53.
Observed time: 7,36
